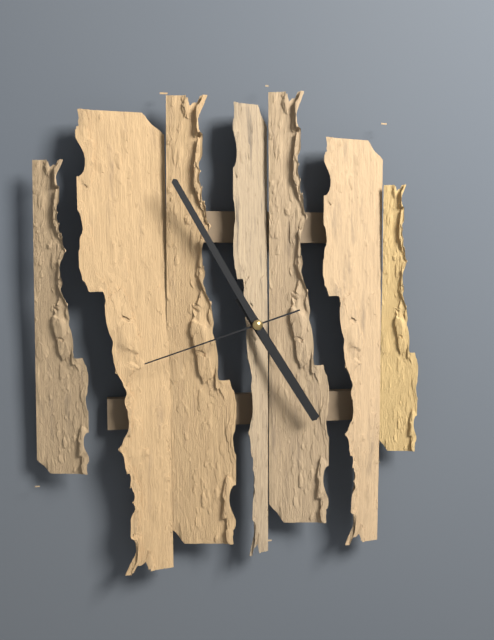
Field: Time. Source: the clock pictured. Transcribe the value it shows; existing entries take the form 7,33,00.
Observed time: 4,55,42
